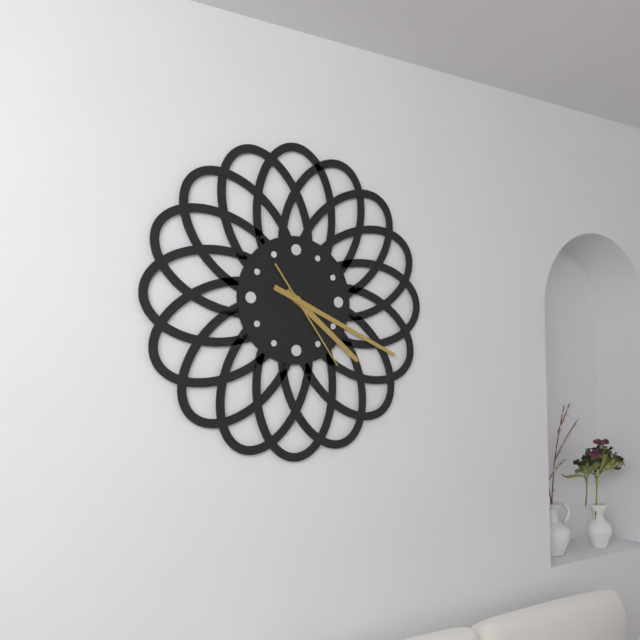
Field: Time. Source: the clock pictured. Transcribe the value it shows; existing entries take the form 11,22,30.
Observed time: 4,19,24
